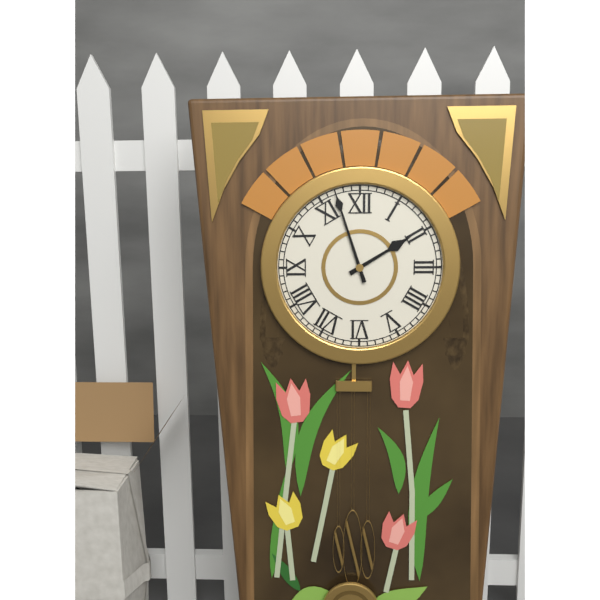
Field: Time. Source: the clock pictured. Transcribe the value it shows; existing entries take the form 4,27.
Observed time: 1,57
